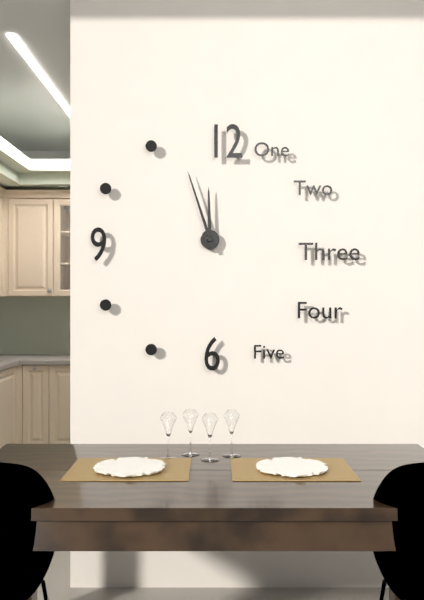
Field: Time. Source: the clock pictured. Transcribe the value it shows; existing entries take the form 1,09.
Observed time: 11,57
